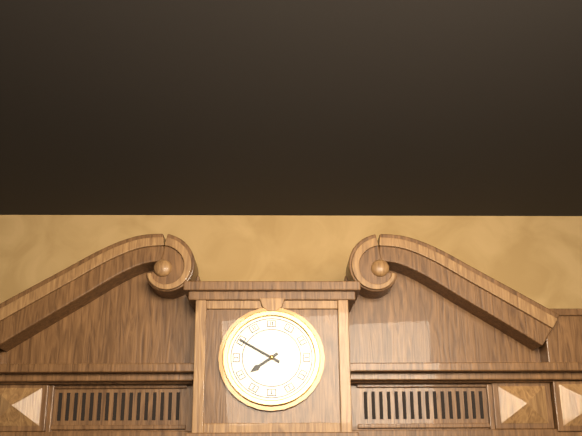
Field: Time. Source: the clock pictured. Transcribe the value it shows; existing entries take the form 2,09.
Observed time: 7,50
